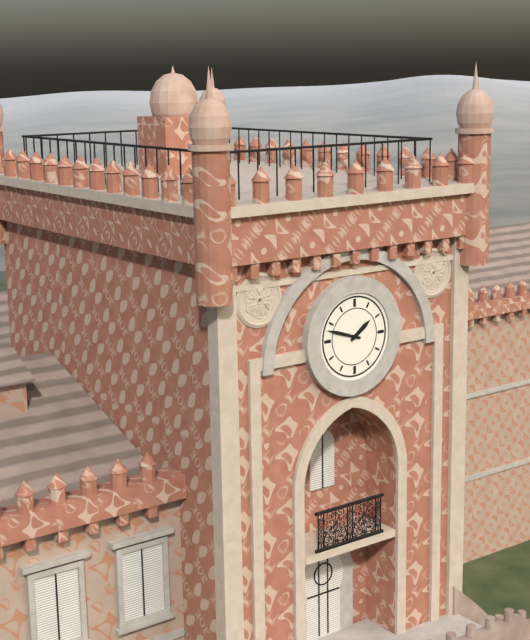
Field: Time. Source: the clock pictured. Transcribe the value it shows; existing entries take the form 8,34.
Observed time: 1,48
